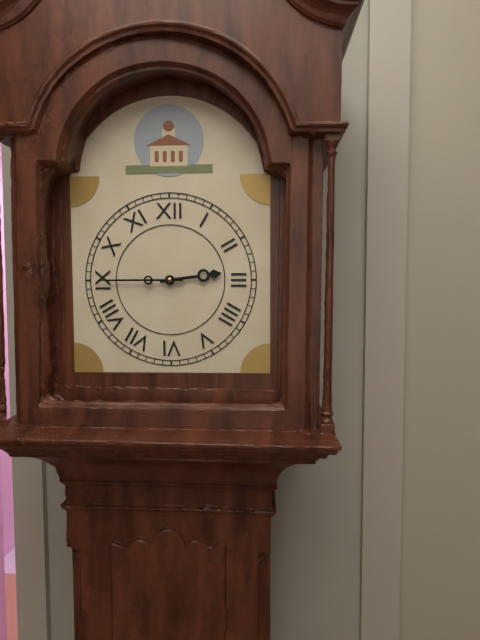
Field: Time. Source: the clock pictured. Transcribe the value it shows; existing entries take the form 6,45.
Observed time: 2,45
